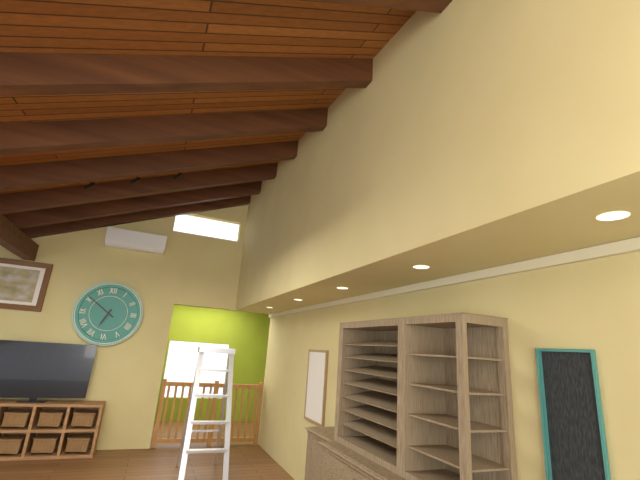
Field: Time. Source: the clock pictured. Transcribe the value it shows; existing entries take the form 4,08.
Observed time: 6,51
